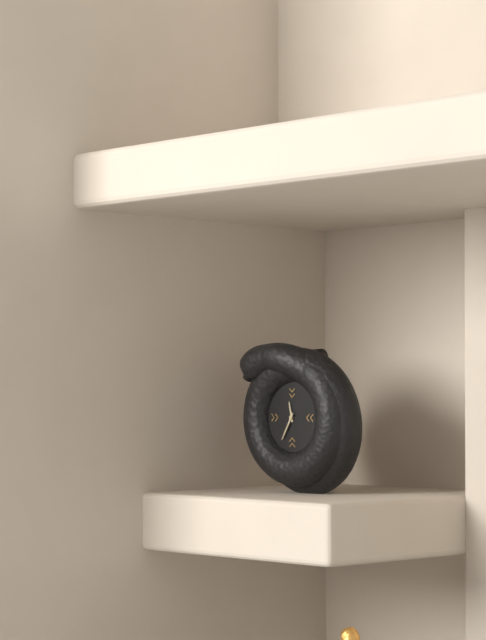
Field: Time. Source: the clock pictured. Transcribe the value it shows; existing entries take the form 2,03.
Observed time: 11,35
